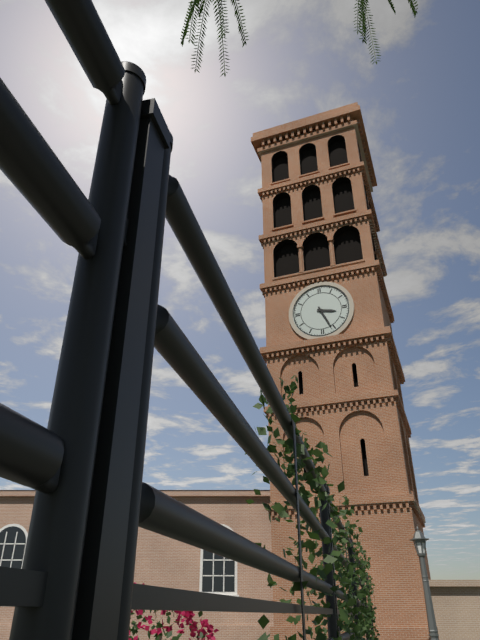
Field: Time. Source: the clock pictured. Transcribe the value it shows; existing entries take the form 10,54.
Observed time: 3,26
